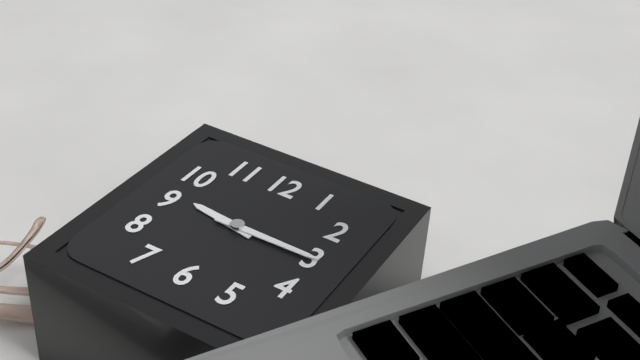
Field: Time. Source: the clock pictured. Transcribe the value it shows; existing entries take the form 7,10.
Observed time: 9,15
